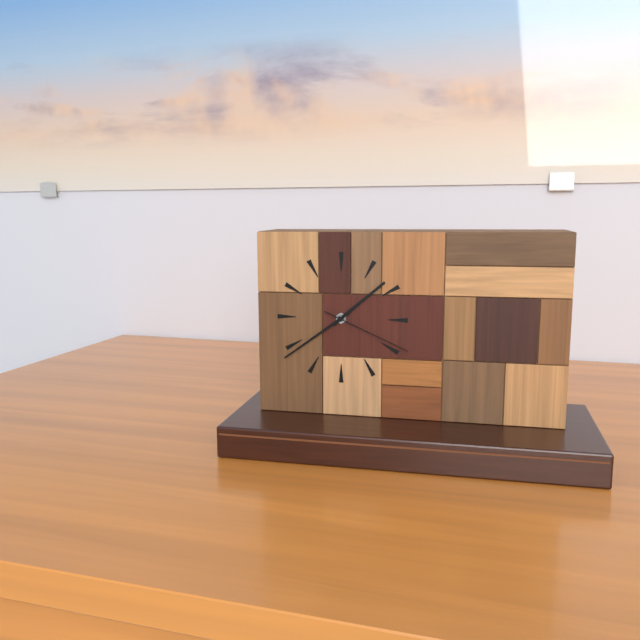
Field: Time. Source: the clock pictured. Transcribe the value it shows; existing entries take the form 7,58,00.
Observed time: 1,39,19
